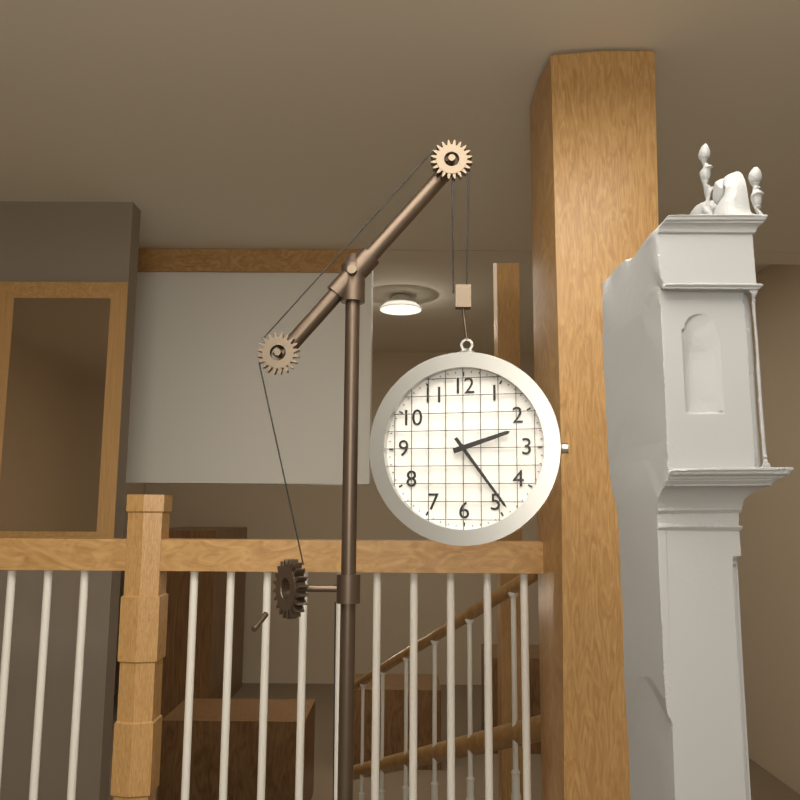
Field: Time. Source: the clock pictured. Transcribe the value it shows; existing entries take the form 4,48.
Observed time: 2,24
